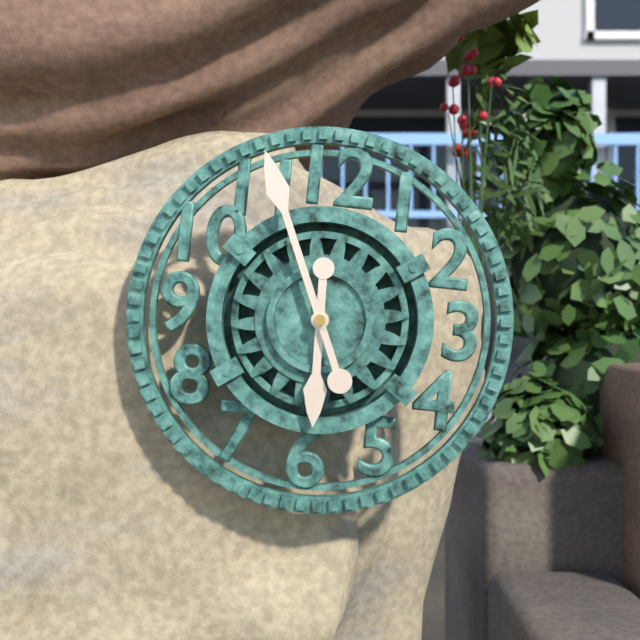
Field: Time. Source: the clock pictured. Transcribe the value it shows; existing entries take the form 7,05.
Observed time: 5,56
